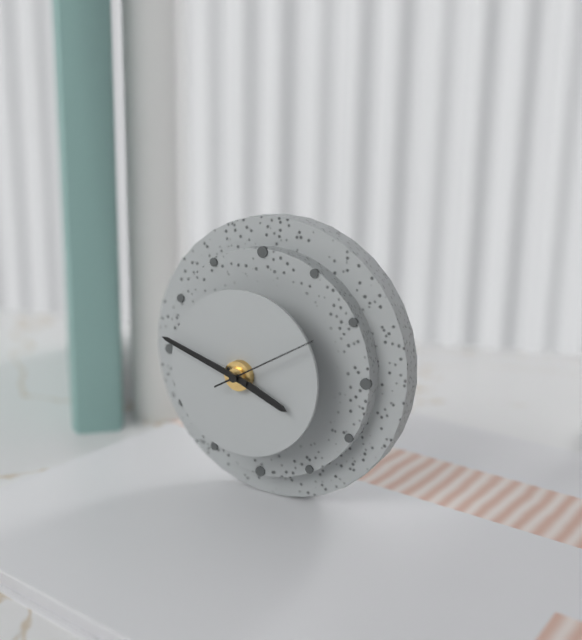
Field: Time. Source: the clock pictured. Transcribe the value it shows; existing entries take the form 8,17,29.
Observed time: 3,48,10
